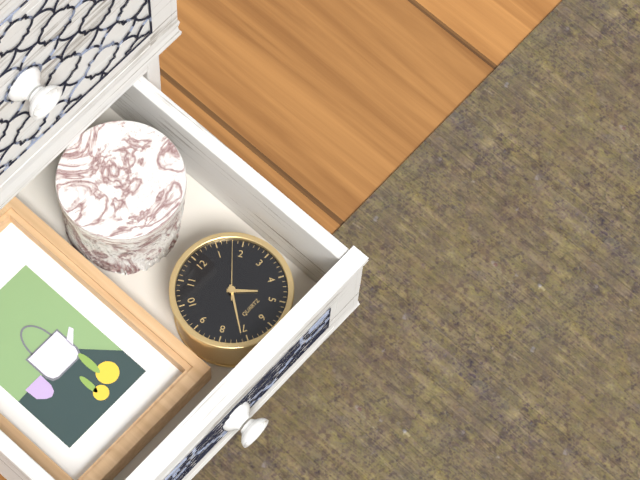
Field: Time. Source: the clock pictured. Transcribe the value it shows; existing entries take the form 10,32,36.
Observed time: 4,36,08
